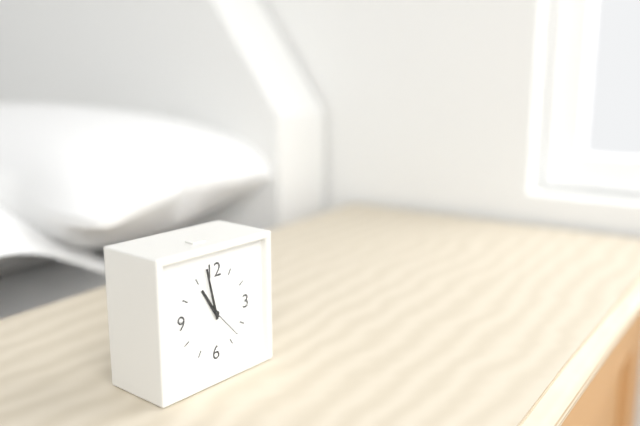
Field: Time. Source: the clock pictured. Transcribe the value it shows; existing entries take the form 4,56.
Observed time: 10,58
